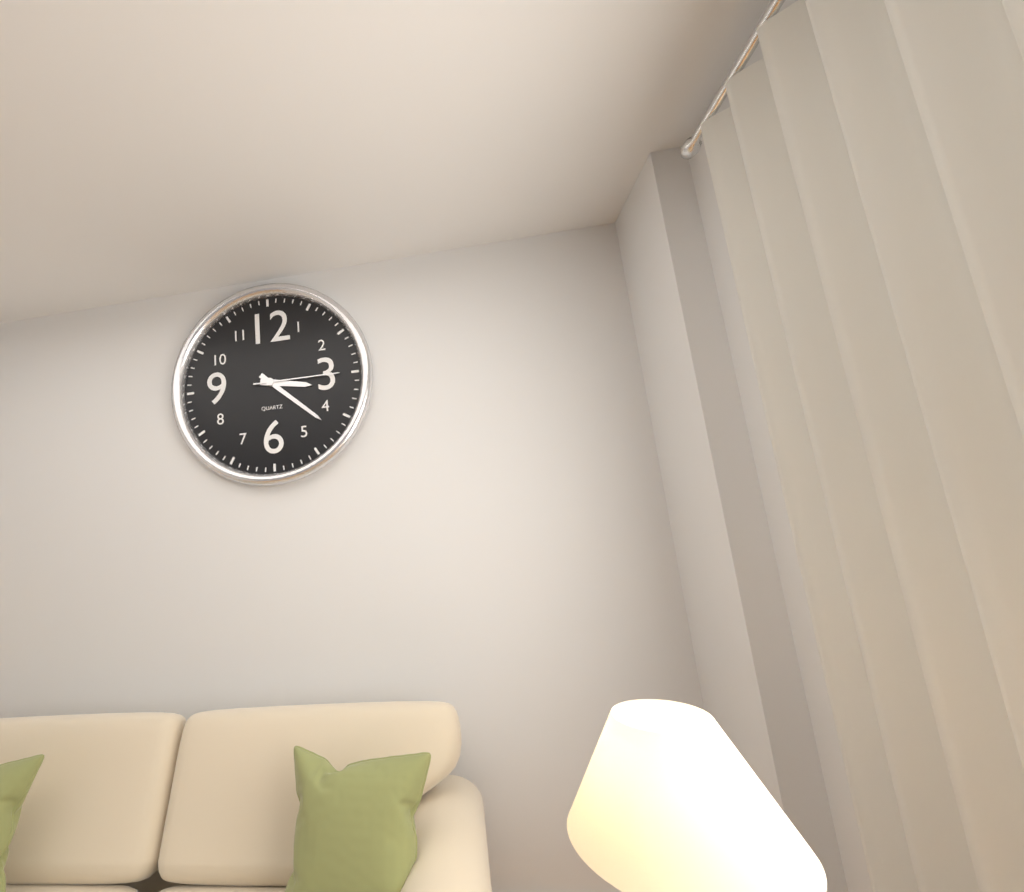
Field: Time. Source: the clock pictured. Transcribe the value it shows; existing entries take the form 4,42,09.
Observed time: 3,22,15
